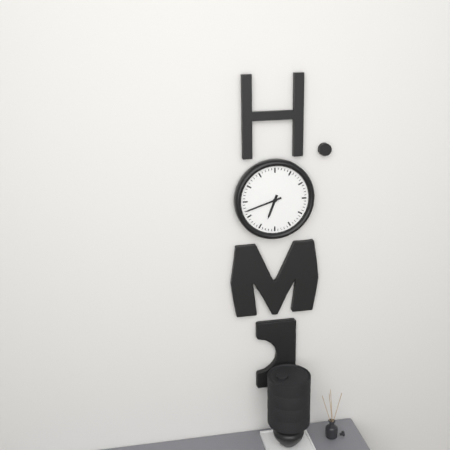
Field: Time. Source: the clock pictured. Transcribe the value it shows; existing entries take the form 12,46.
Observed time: 6,42
